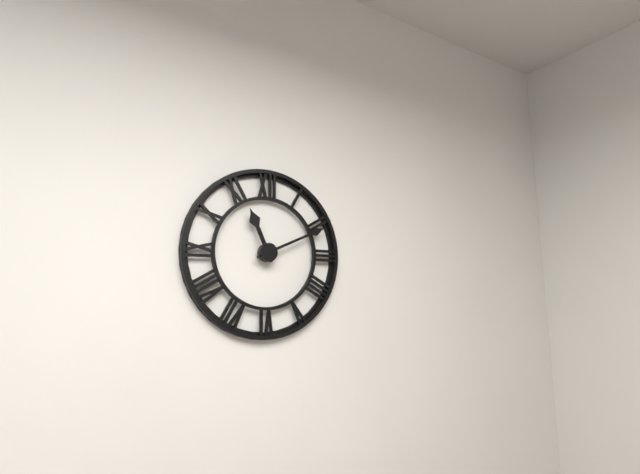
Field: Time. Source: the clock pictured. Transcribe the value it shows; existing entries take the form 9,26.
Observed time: 11,11
